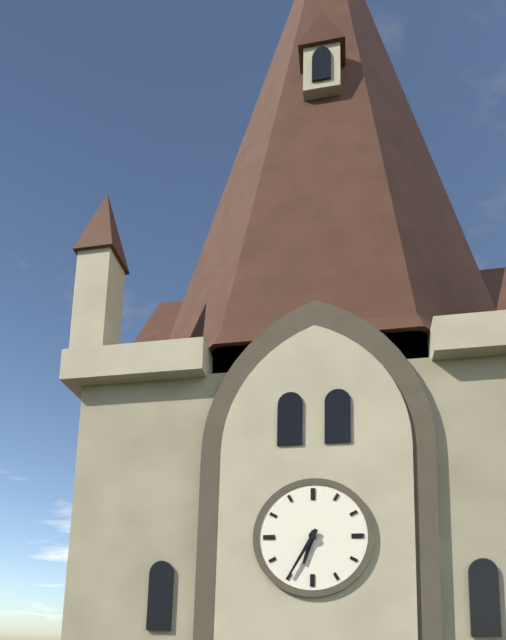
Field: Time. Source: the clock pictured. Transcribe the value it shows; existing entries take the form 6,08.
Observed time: 6,35
